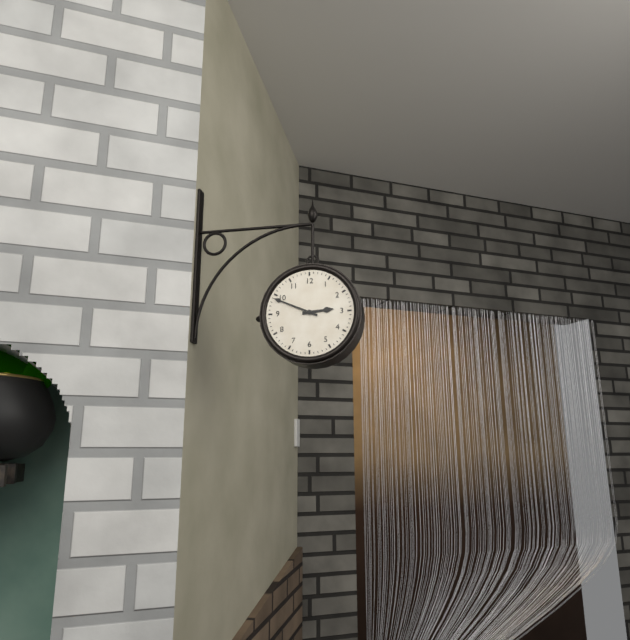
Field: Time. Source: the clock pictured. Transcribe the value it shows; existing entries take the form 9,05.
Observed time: 2,49
